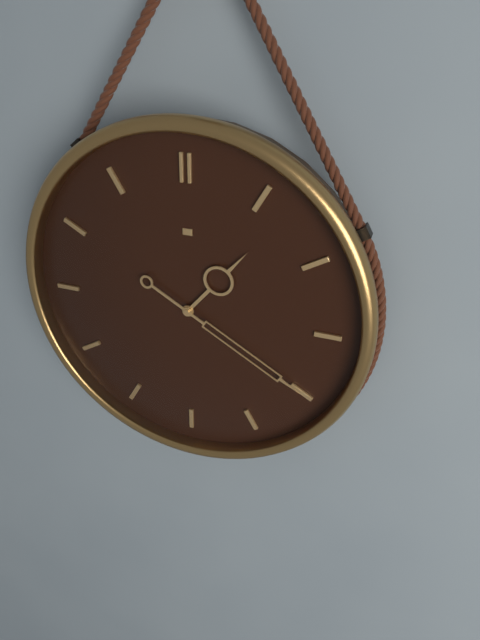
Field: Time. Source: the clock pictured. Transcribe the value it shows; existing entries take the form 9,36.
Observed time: 1,20
